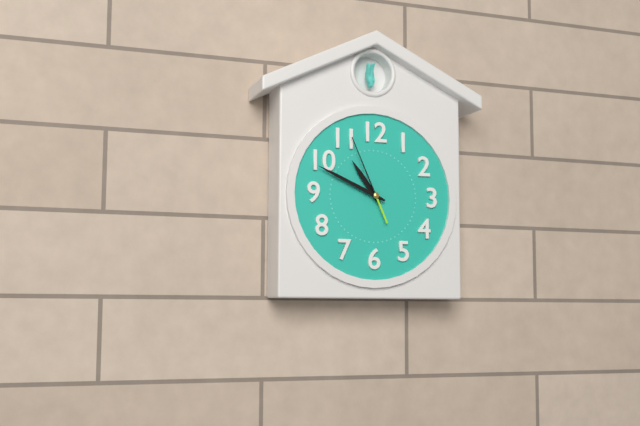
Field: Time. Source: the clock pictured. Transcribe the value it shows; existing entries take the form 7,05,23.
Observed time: 10,49,56
